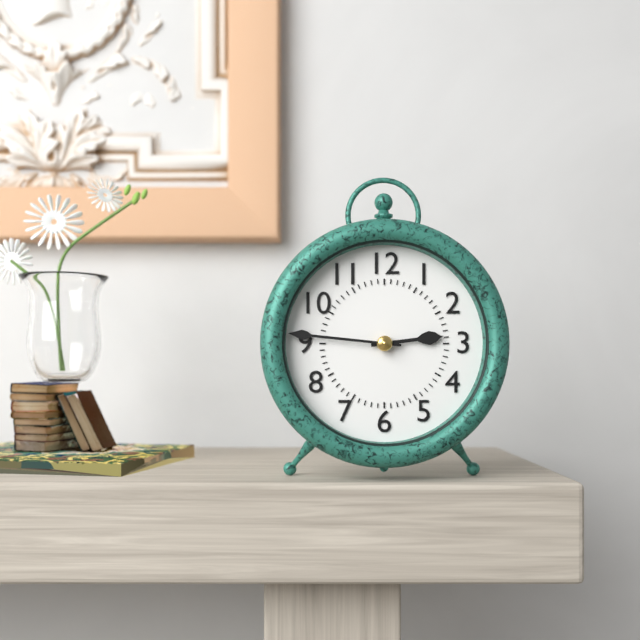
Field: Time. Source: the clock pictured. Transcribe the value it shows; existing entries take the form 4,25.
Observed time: 2,46
